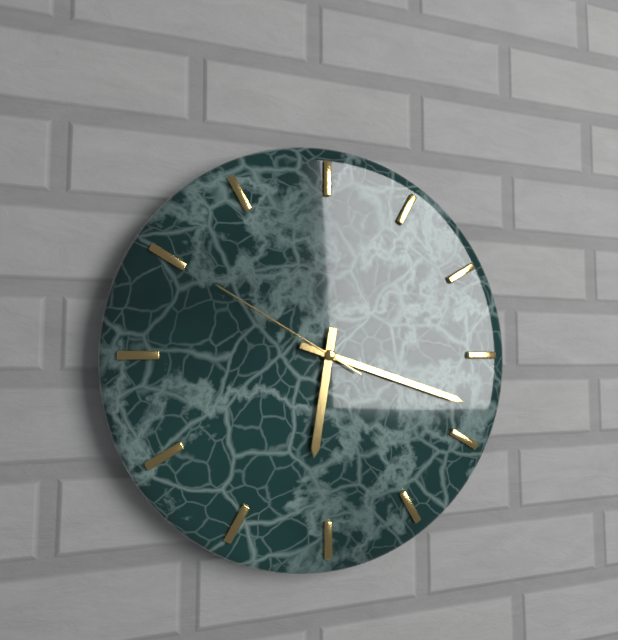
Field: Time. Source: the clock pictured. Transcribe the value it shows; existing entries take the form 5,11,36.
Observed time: 6,18,50
